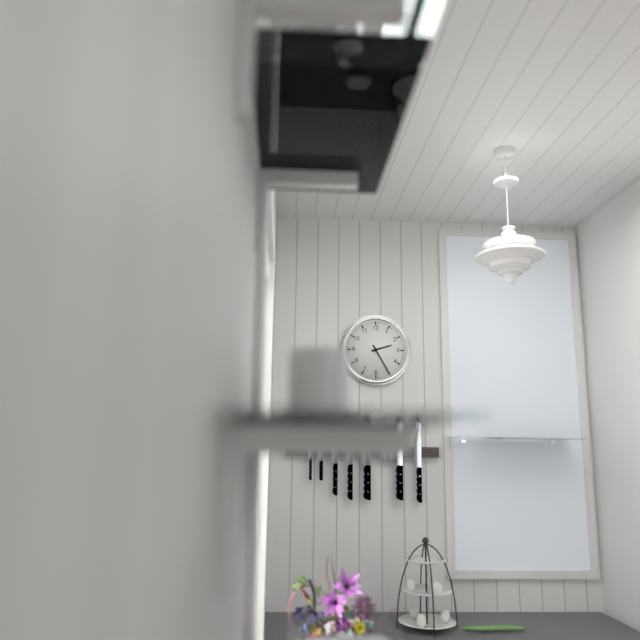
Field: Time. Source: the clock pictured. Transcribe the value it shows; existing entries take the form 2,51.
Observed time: 2,25
